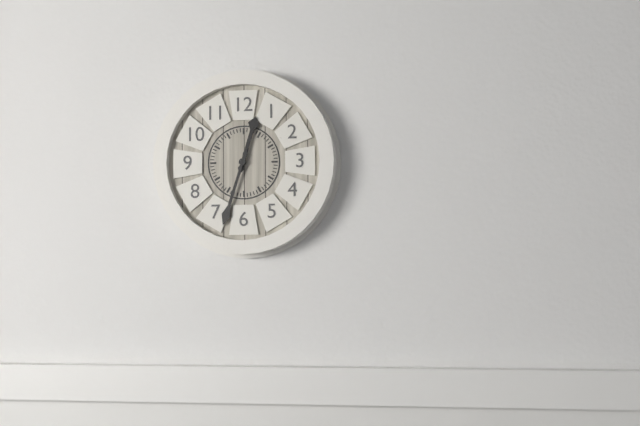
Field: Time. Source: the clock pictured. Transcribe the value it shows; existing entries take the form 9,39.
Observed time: 12,33
